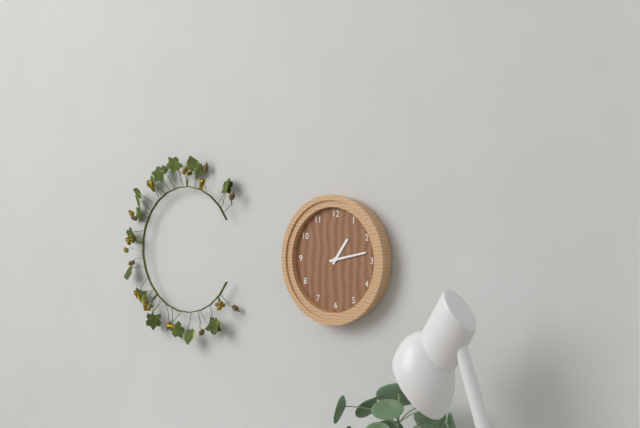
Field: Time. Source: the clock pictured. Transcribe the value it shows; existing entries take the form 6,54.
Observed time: 1,13
